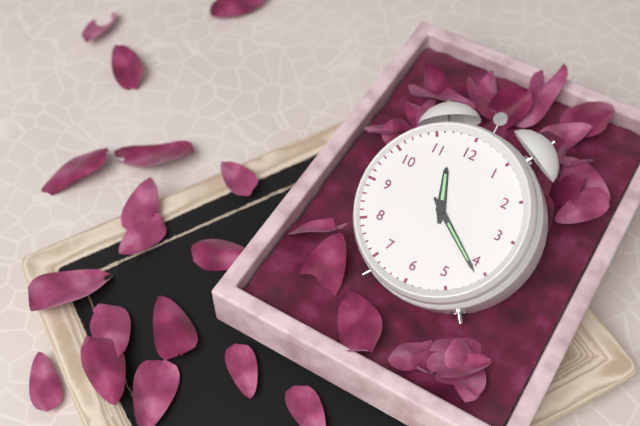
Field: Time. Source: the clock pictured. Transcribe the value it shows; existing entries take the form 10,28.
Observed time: 11,21
